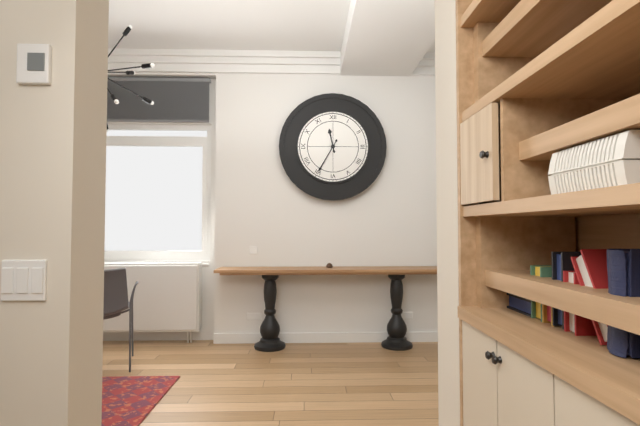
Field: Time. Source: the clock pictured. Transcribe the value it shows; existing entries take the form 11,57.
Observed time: 11,35
